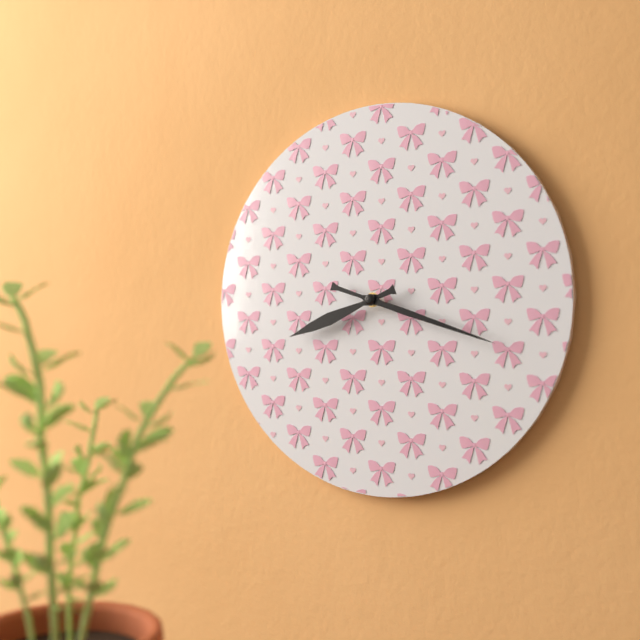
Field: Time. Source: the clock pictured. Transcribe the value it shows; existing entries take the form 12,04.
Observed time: 8,18
